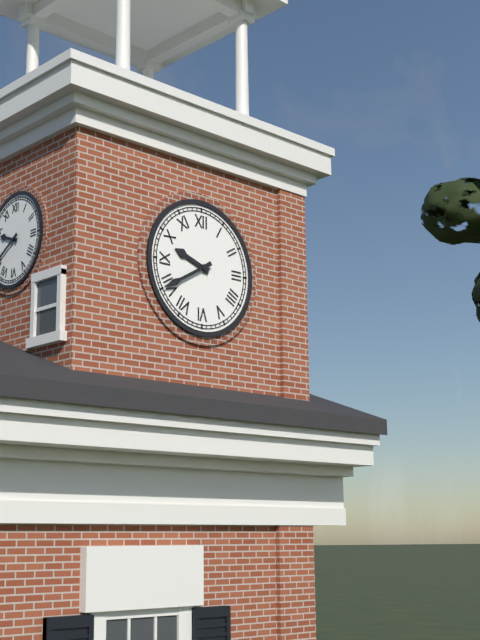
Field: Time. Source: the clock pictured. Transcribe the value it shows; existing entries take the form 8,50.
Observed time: 9,40
